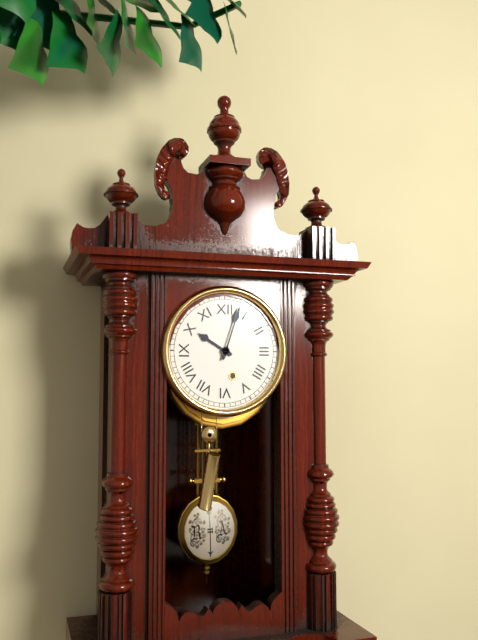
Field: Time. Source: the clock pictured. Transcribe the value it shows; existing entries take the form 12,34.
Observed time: 10,03
